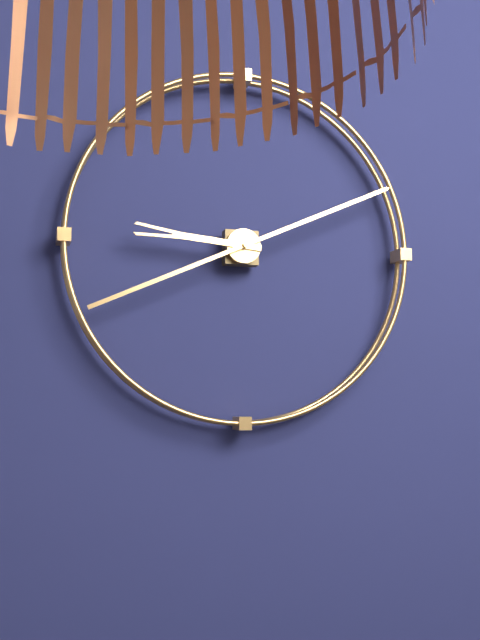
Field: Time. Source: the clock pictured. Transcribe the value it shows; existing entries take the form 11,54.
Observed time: 9,11
